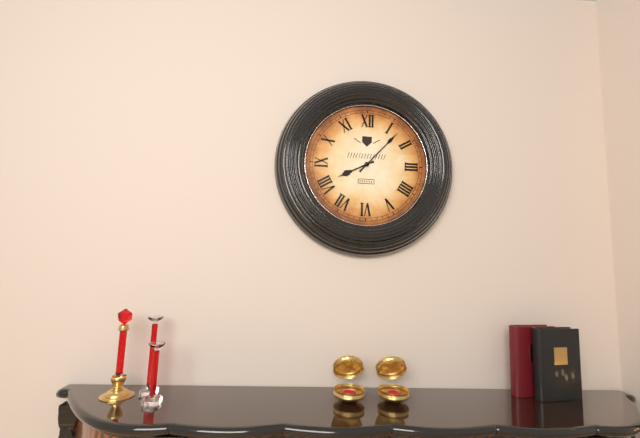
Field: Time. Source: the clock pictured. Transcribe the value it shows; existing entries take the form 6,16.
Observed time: 8,07
